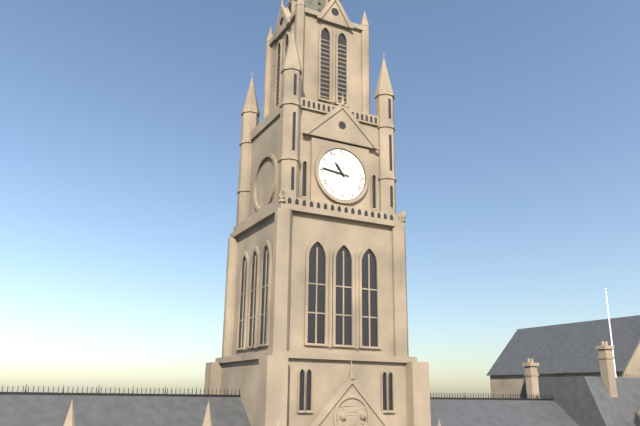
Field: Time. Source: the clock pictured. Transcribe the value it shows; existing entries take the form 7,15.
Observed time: 10,46
